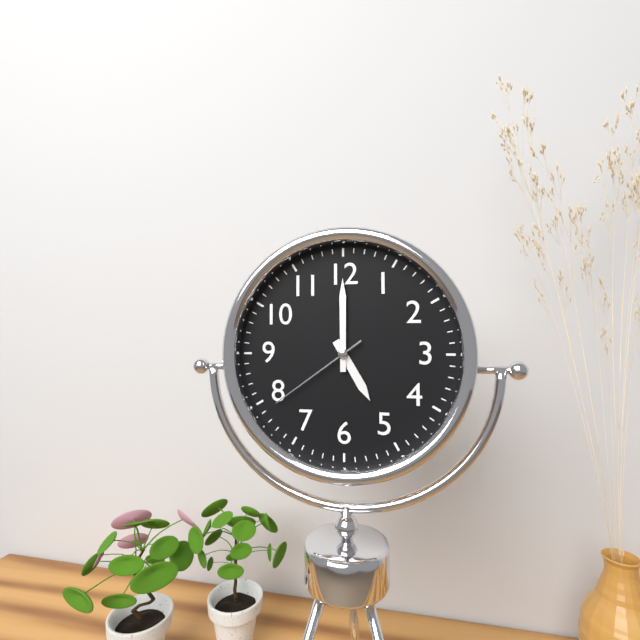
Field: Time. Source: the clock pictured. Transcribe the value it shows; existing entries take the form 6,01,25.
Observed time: 5,00,39
